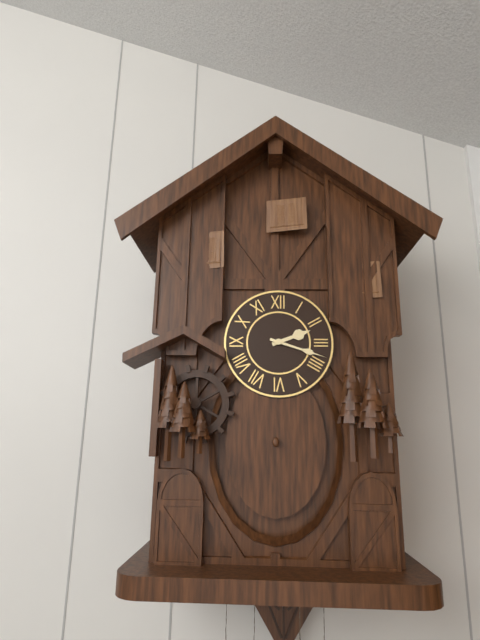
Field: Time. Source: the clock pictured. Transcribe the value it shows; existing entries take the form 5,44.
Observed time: 2,18
